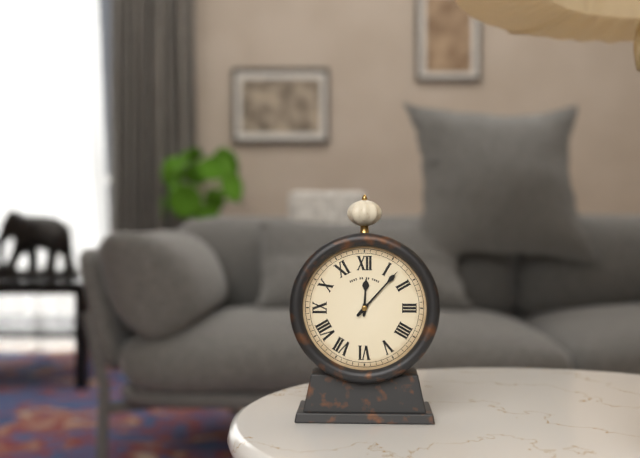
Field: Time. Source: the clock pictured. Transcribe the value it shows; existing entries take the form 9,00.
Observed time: 12,07
